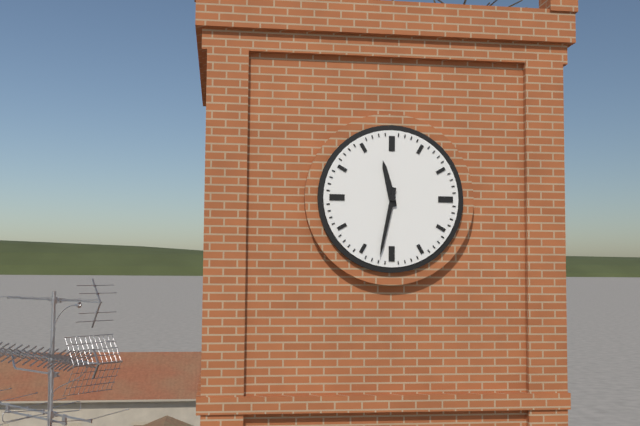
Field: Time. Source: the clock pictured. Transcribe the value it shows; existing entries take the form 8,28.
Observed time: 11,32
